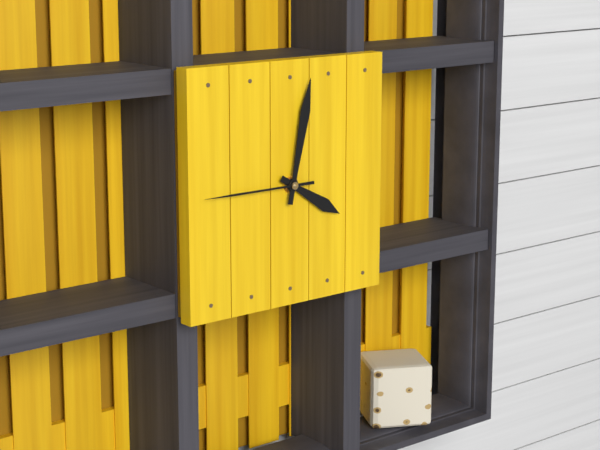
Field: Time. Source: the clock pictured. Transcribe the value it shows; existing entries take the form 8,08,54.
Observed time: 4,02,45
